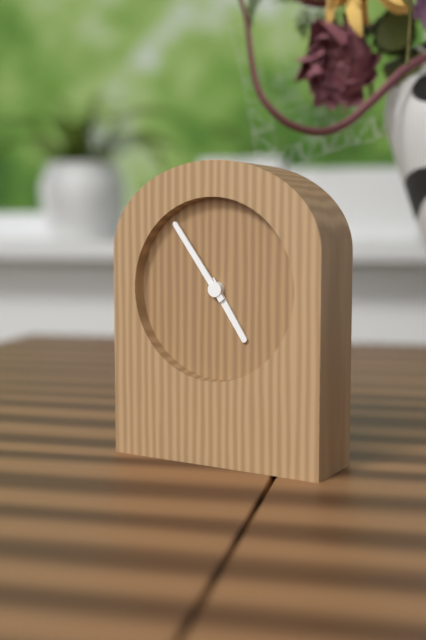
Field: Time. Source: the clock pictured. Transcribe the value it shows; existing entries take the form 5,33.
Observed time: 4,54
